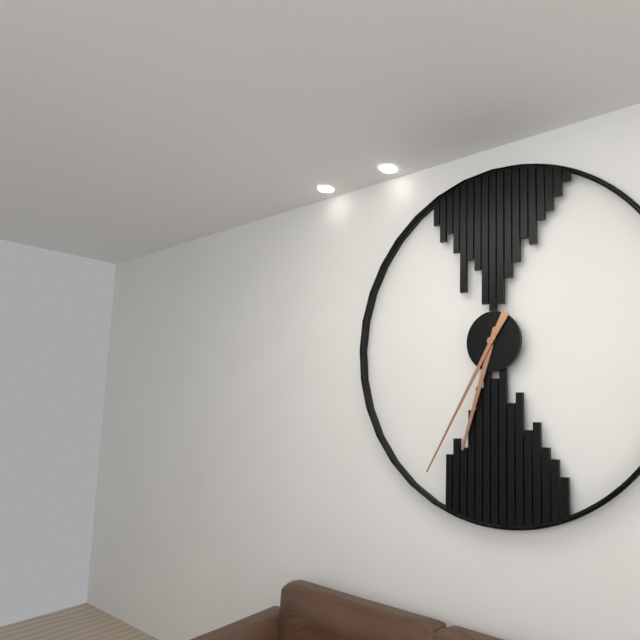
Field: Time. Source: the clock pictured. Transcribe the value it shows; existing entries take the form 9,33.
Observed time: 6,35
